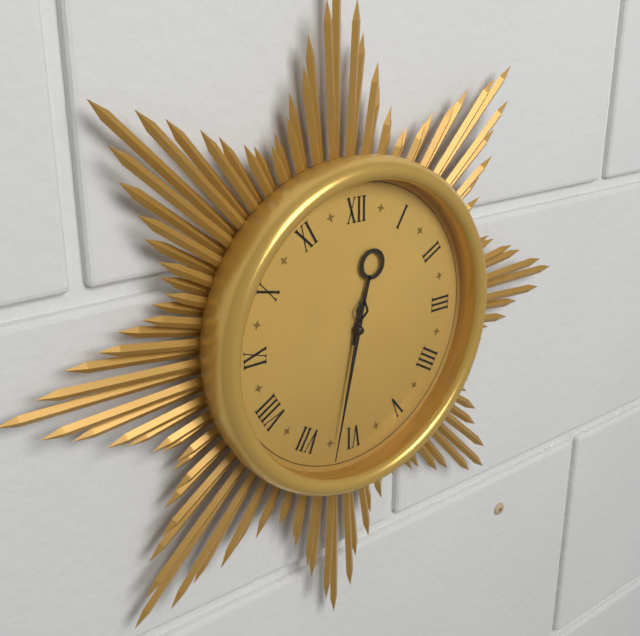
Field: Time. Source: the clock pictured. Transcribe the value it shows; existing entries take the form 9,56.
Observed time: 12,32
